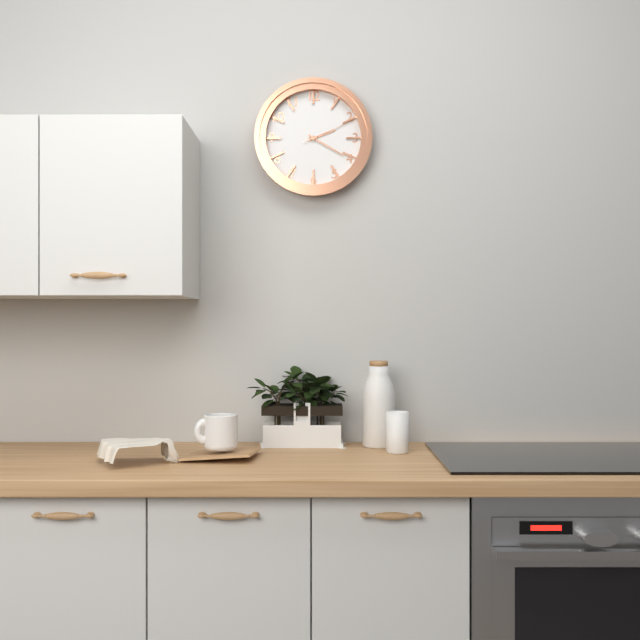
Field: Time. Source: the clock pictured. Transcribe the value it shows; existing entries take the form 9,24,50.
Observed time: 2,20,11
